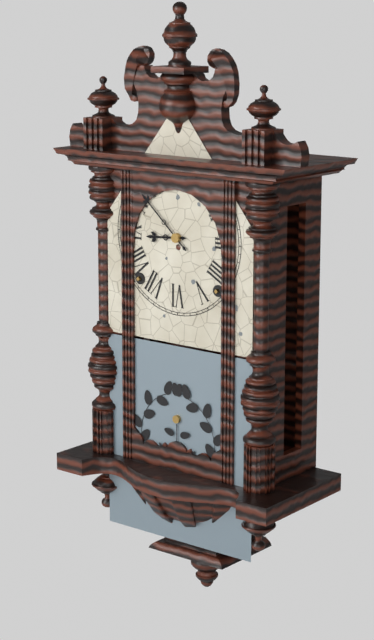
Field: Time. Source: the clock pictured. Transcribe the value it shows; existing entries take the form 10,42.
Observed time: 8,52
